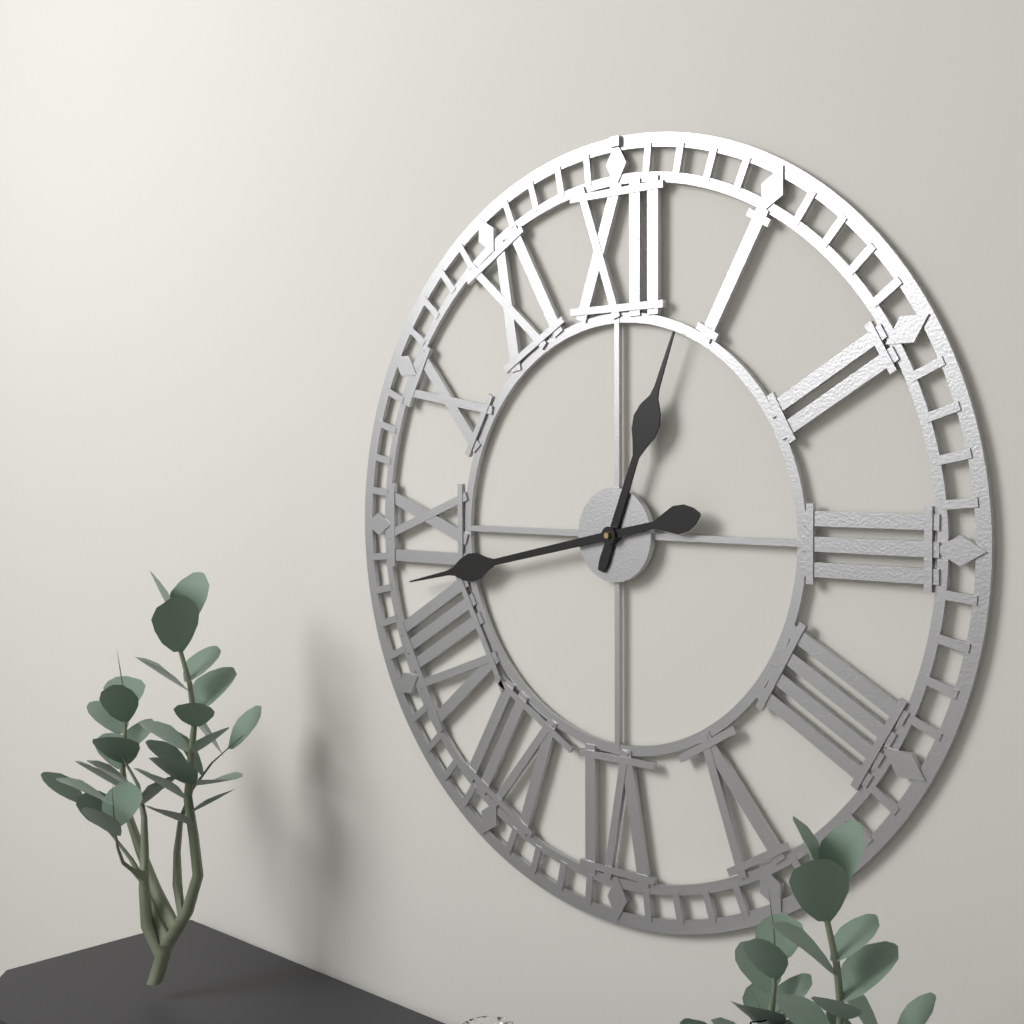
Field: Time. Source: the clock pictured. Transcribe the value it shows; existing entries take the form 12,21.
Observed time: 12,43
